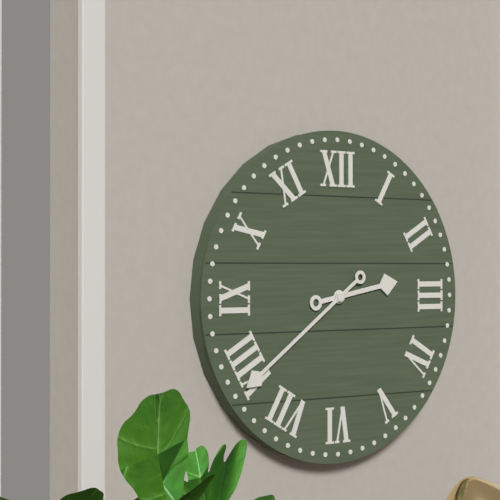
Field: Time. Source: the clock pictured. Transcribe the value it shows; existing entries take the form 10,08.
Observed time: 2,39
